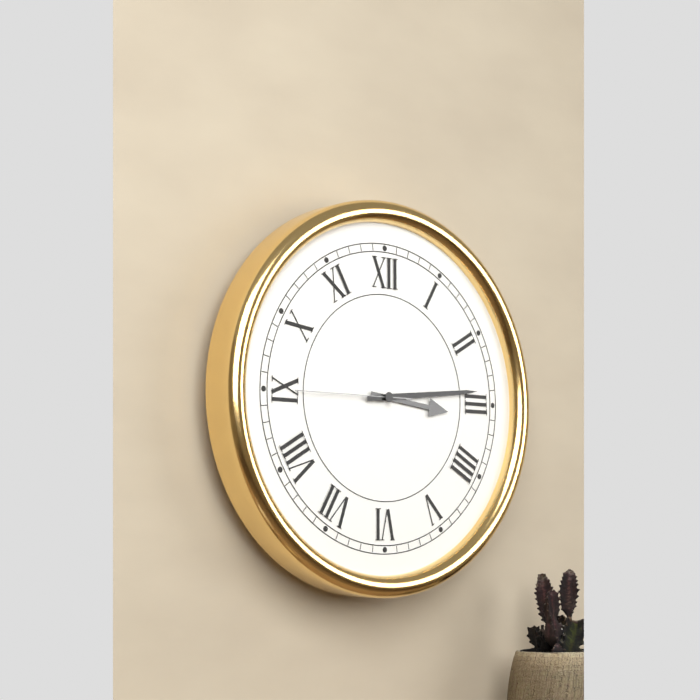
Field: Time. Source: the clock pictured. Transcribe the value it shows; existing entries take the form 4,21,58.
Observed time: 3,14,45
